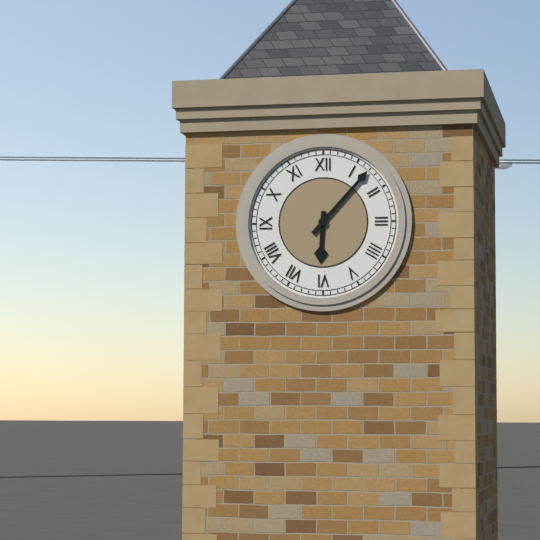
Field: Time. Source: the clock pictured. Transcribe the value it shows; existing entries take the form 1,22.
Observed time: 6,07
